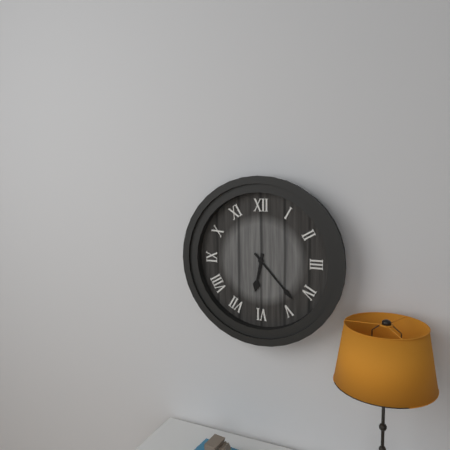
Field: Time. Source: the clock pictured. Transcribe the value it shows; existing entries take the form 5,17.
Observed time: 6,23
